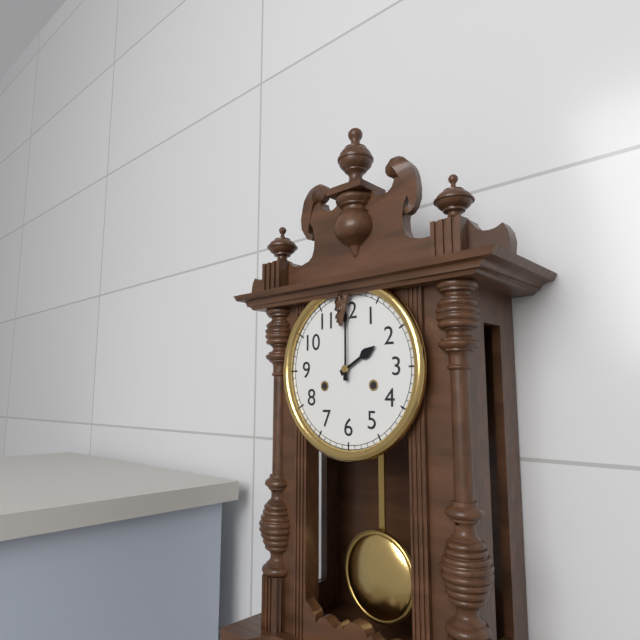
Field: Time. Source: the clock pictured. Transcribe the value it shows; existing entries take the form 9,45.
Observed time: 2,00
